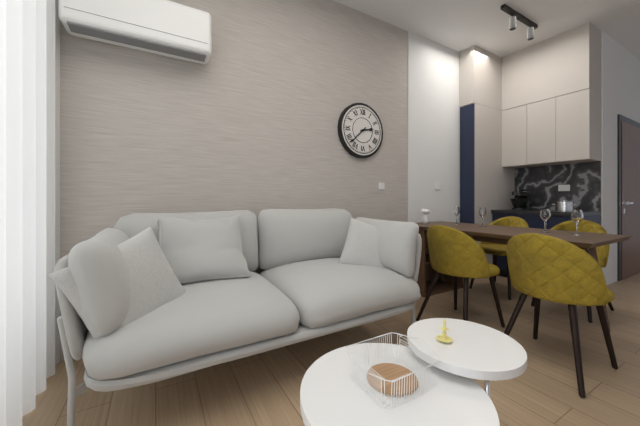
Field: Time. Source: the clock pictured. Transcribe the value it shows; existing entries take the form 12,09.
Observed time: 2,38
